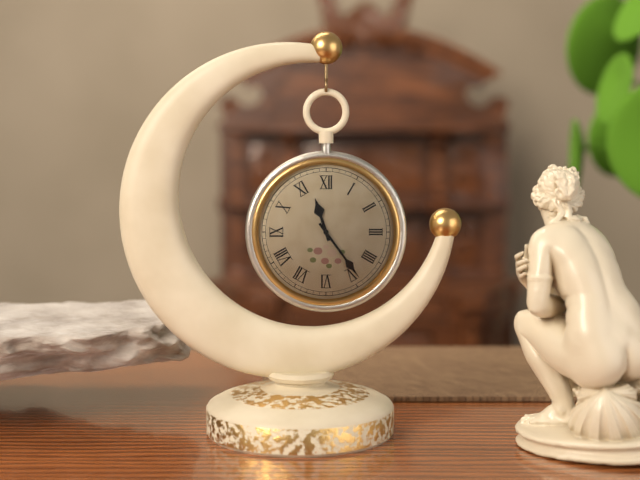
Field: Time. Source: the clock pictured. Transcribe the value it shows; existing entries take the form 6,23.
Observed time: 11,24
